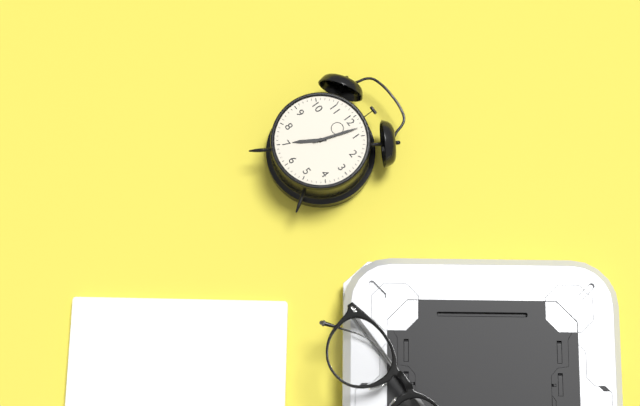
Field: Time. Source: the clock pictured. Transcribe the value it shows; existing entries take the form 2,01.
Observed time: 7,03
